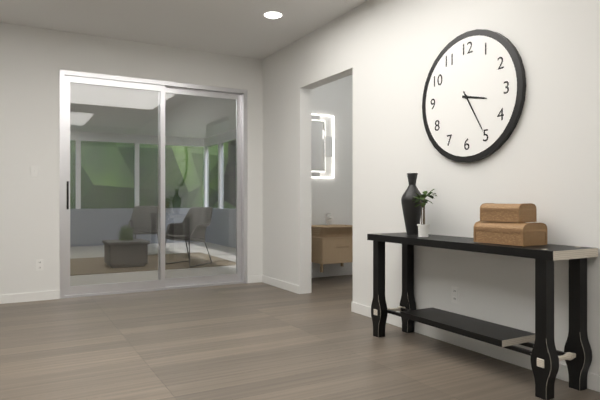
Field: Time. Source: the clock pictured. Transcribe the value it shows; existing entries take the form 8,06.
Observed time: 3,25
